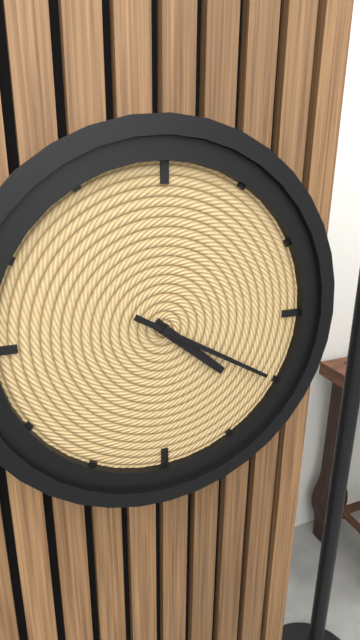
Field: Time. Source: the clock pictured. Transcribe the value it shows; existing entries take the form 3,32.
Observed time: 4,20
